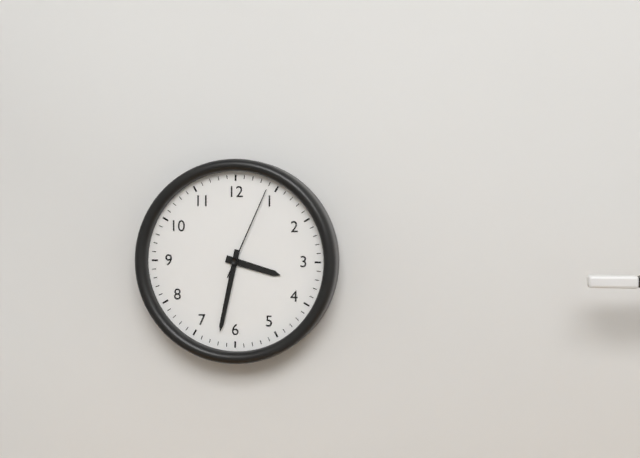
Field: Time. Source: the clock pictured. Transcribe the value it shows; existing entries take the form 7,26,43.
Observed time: 3,32,04
